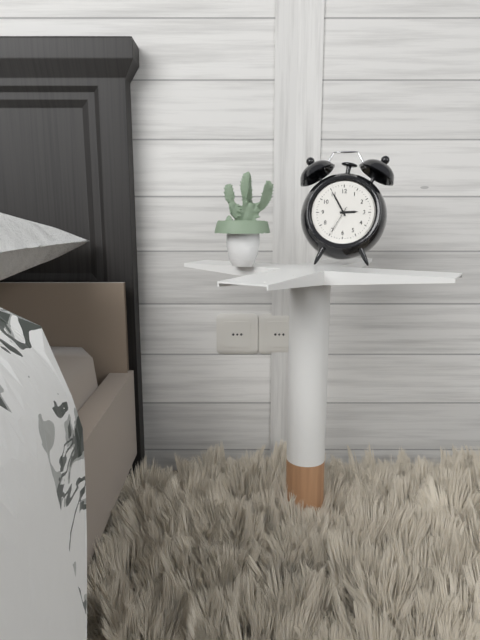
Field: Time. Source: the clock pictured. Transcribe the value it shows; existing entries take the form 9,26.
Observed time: 2,55
